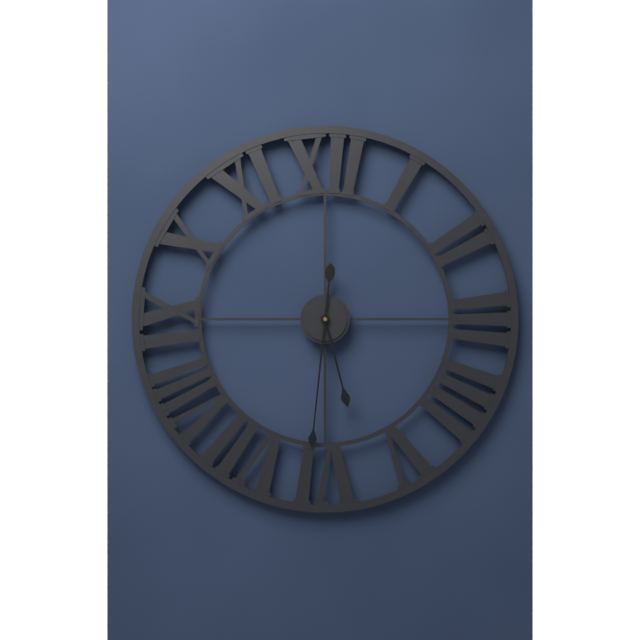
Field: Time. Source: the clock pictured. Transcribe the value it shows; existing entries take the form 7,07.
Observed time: 5,31
